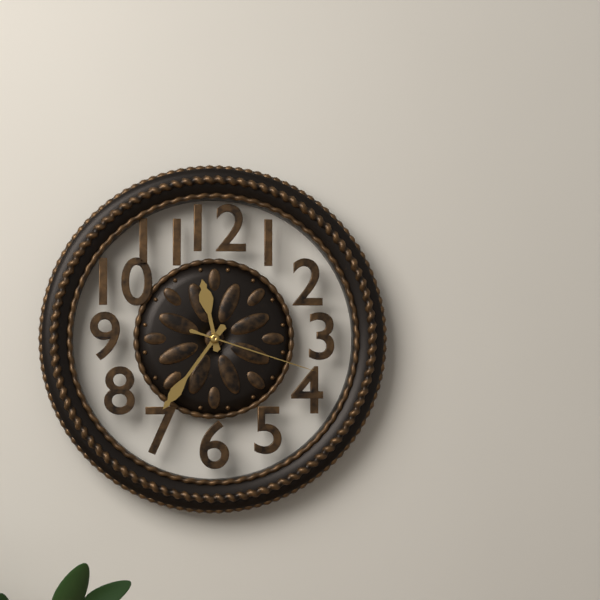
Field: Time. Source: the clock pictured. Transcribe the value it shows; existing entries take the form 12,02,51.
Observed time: 11,36,18
